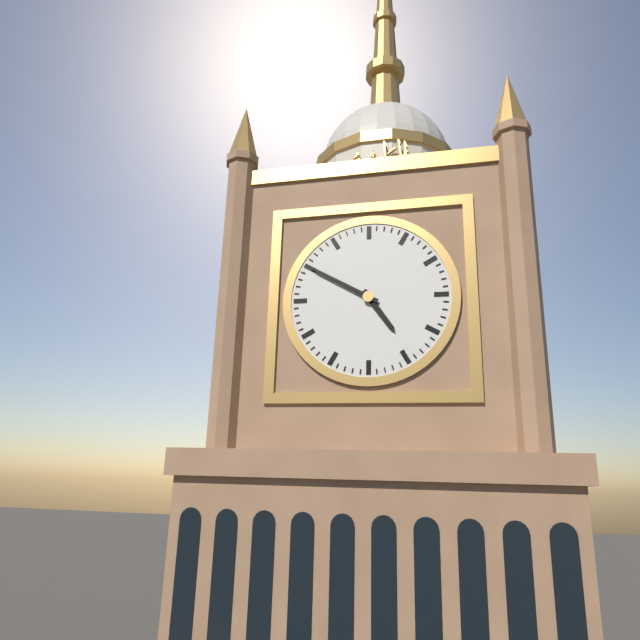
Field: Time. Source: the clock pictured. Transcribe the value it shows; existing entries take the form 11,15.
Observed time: 4,50
